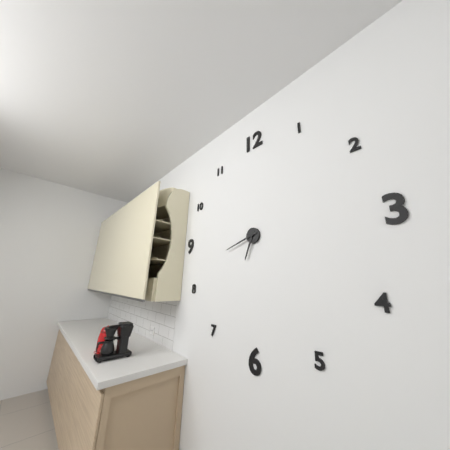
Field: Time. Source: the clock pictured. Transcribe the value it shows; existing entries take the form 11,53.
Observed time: 6,42
